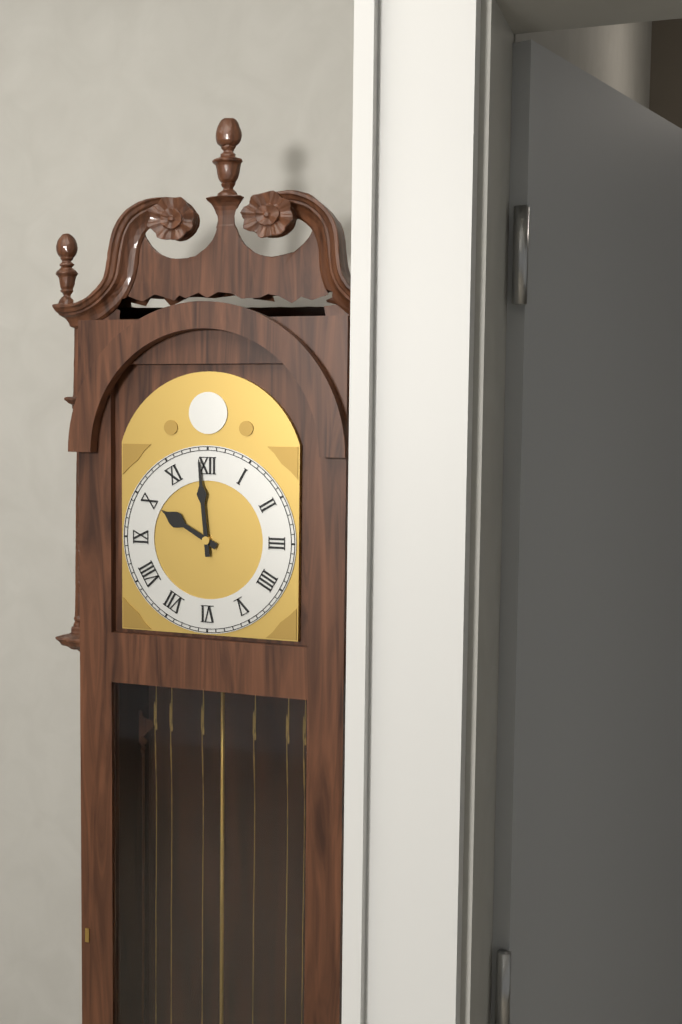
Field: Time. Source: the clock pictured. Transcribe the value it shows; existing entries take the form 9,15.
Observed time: 9,59
